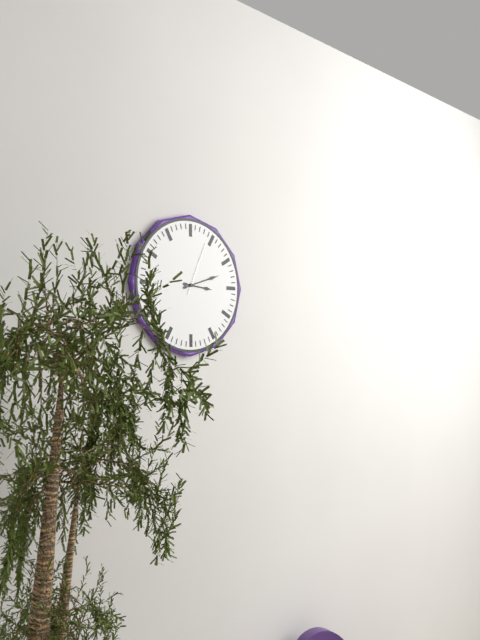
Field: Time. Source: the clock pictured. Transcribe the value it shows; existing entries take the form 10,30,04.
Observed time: 3,12,04
